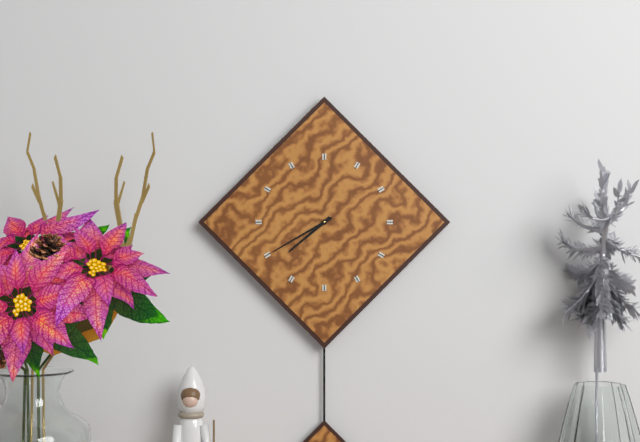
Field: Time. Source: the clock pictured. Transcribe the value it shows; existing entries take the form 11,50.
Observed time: 7,40
